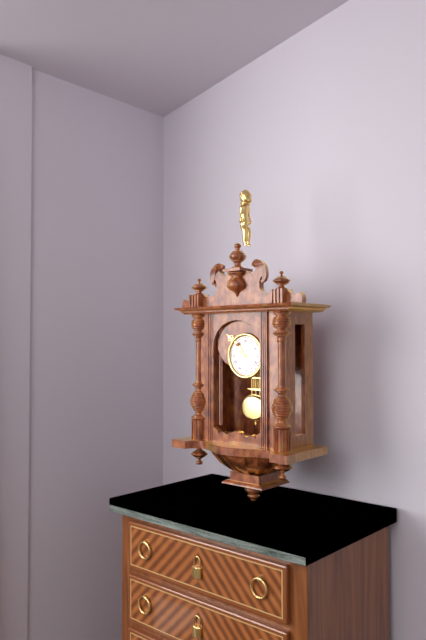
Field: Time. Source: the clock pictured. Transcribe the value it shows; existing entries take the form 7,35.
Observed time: 9,54
